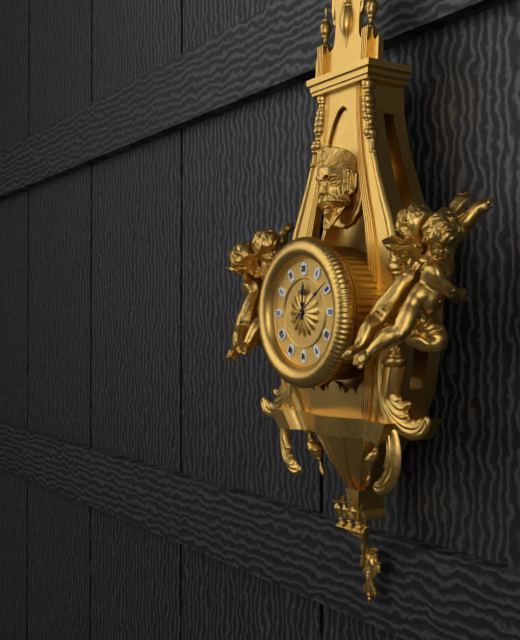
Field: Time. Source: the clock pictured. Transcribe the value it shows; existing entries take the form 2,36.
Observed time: 12,09
